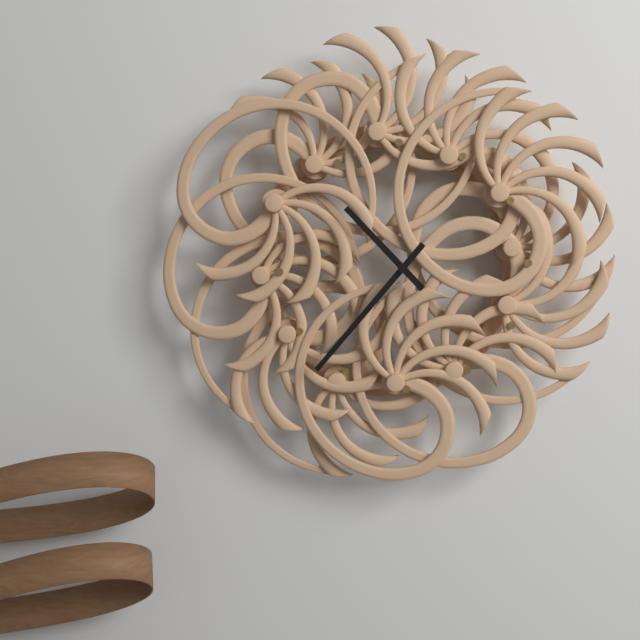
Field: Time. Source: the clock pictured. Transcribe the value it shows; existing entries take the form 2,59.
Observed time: 10,37
